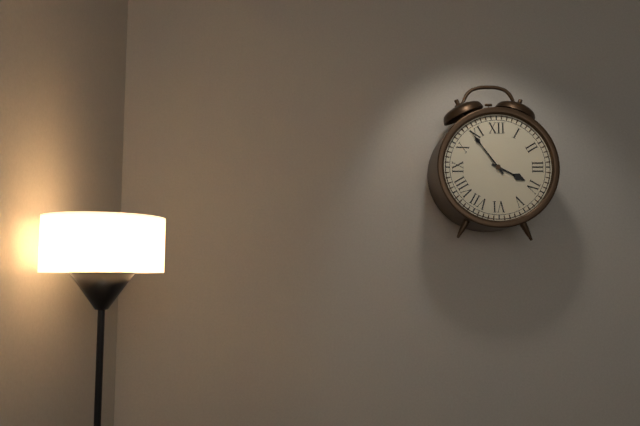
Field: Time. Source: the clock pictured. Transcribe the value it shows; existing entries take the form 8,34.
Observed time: 3,54
